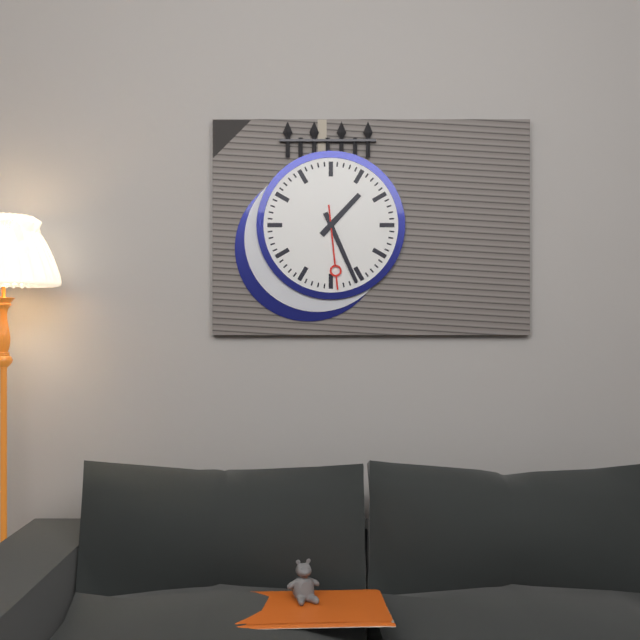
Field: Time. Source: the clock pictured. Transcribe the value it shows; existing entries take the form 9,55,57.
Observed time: 1,26,29
